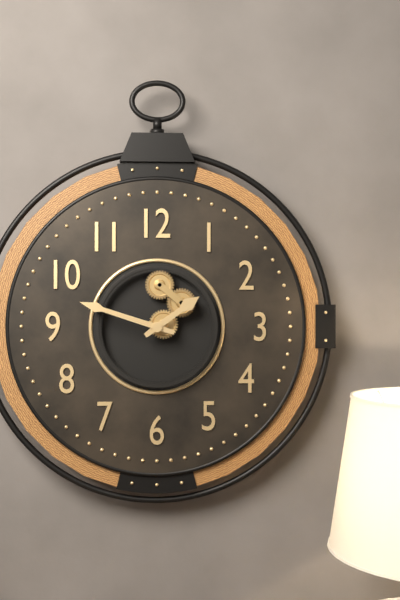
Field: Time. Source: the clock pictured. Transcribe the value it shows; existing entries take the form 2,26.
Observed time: 1,48
